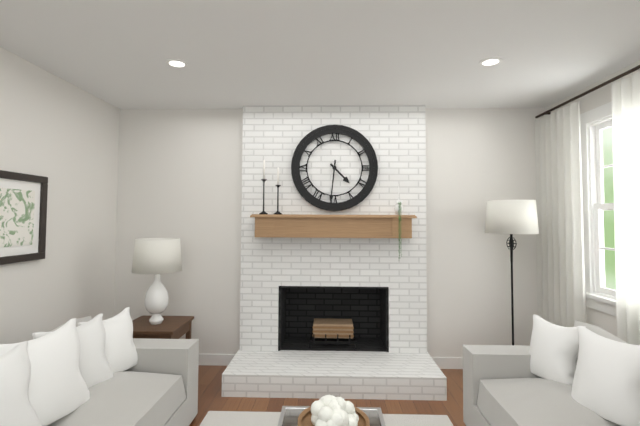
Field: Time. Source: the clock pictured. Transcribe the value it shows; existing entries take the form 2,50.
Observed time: 4,31
